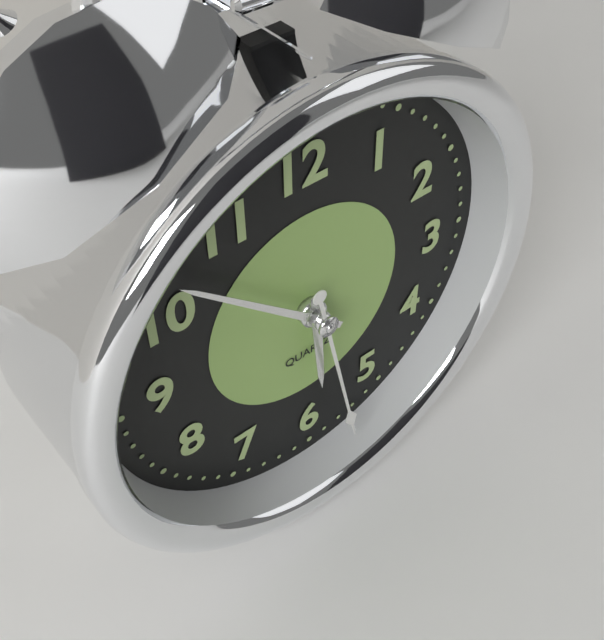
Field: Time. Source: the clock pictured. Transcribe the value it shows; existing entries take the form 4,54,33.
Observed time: 5,52,28
